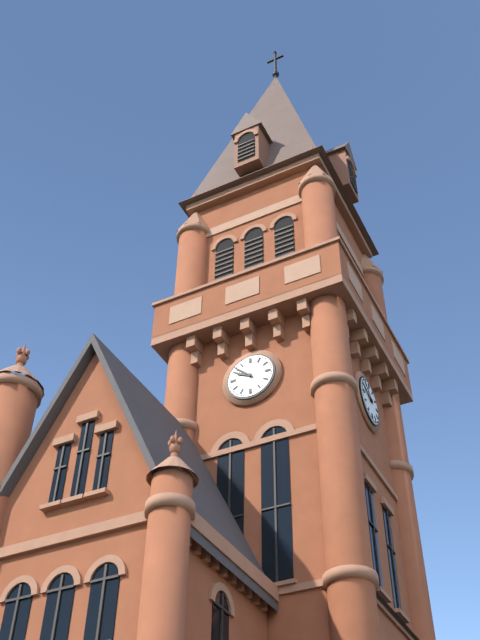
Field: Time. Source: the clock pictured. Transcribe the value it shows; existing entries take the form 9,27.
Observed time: 9,52
